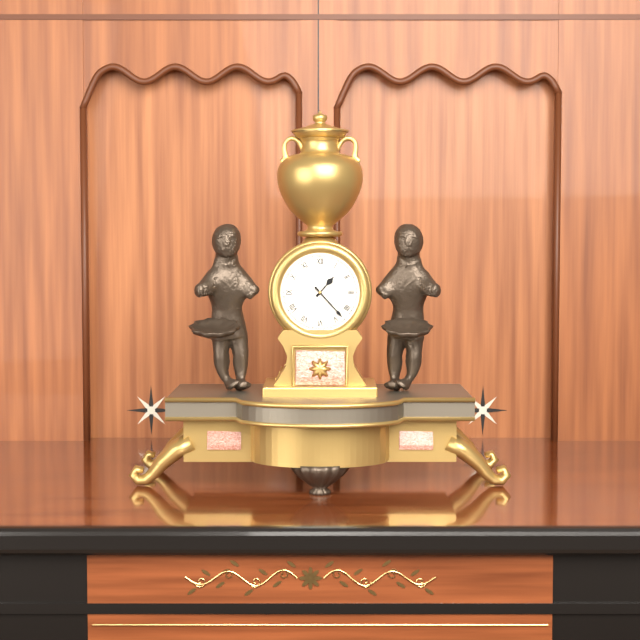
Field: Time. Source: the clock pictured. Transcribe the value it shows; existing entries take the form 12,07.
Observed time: 1,23
